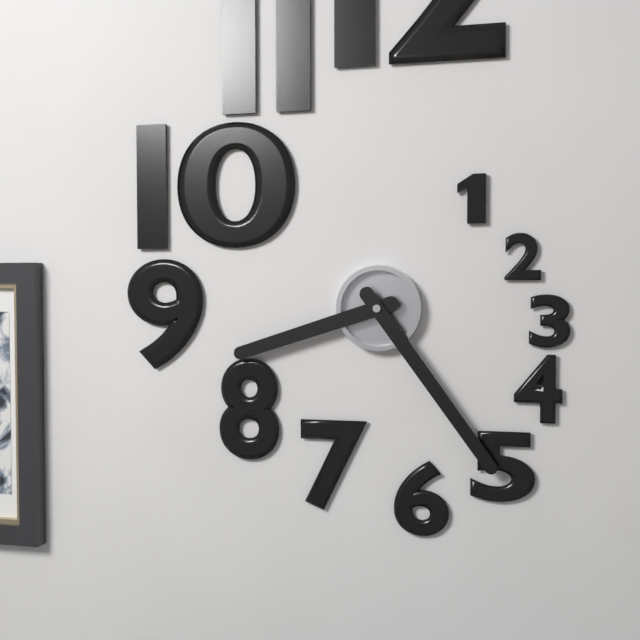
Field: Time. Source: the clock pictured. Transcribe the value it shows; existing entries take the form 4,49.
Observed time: 8,24
